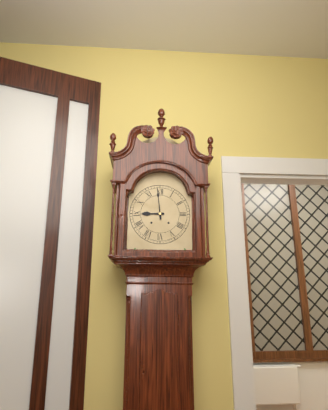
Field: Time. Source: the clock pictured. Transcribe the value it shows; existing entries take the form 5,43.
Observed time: 8,59
